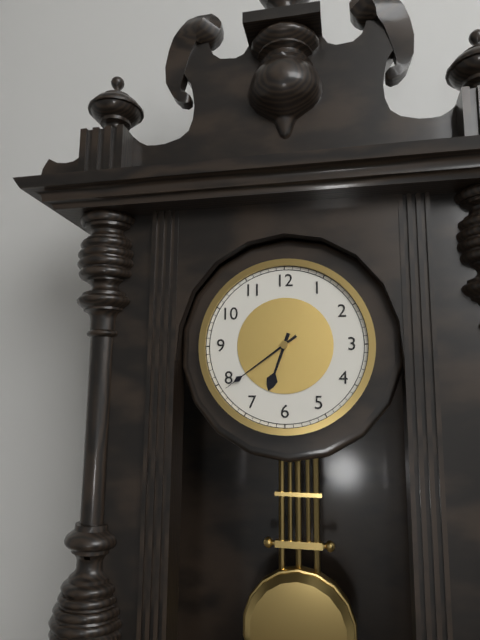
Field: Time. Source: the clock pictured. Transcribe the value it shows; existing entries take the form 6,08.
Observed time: 6,39
